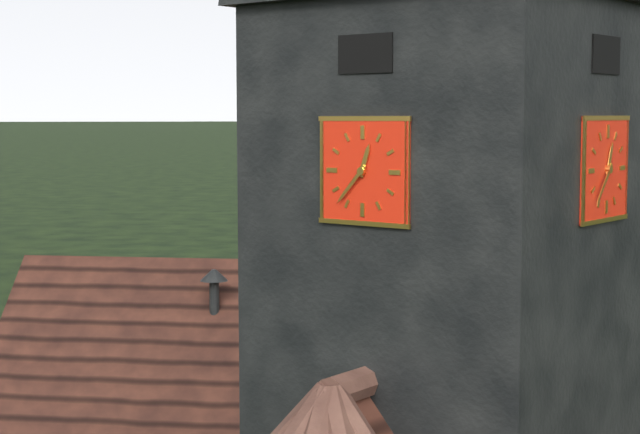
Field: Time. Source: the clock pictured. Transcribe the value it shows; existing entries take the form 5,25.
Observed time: 12,37
